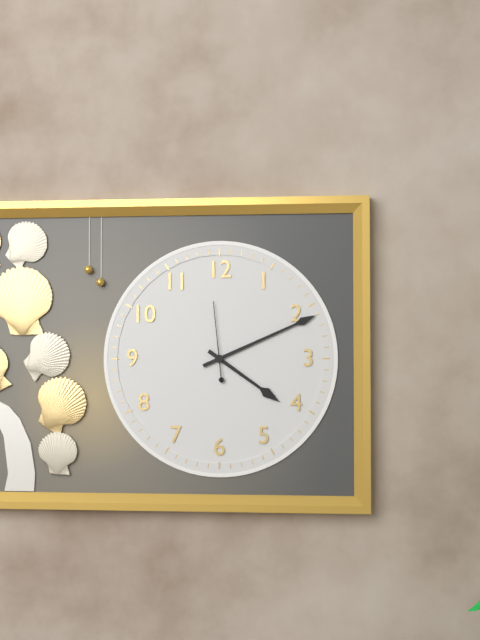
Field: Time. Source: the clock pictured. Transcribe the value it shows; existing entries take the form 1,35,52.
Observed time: 4,11,59
